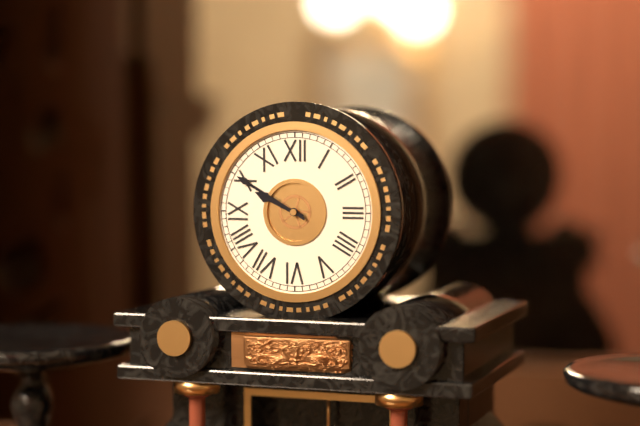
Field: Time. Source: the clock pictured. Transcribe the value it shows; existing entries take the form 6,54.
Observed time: 9,50
